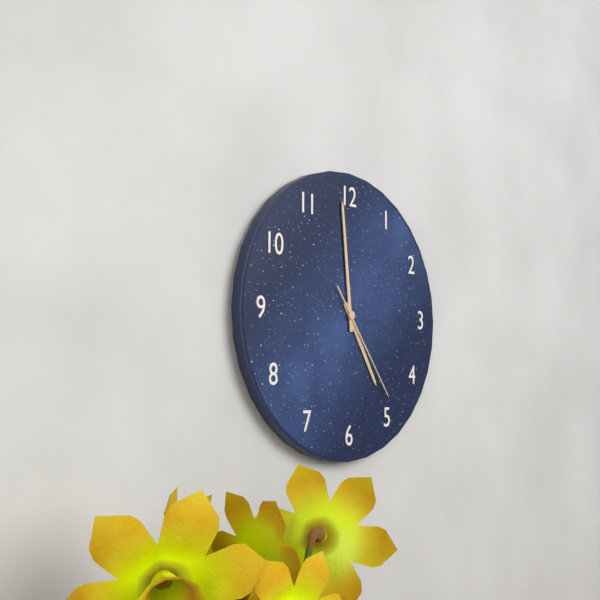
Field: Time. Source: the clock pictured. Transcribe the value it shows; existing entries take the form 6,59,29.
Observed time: 4,59,24
